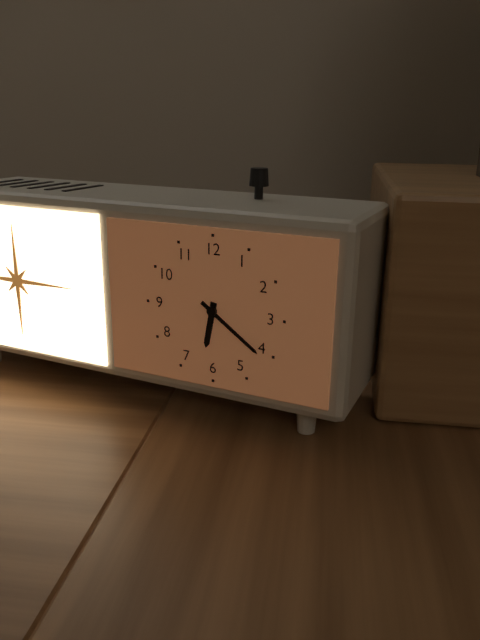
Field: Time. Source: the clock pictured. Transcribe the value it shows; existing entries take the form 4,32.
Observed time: 6,21
